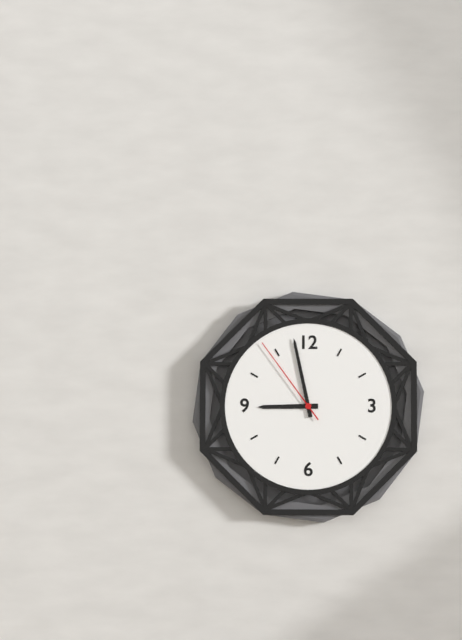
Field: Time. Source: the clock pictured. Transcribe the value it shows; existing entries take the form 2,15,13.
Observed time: 8,58,54
